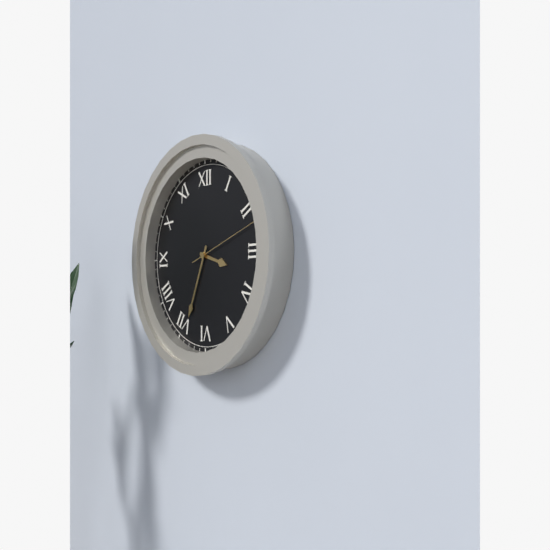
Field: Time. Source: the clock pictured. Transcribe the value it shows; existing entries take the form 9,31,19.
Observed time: 3,34,12
